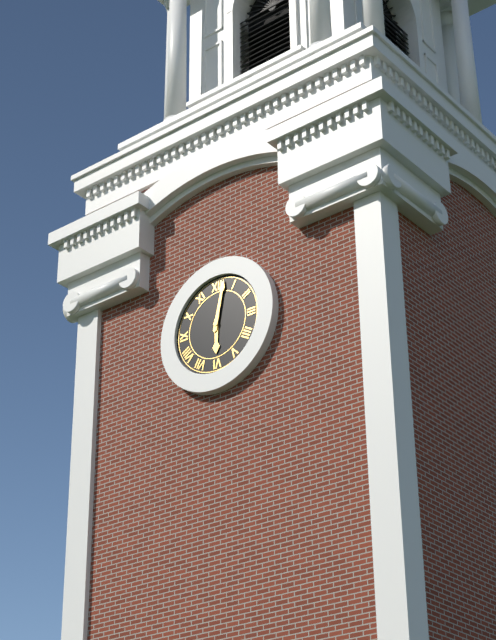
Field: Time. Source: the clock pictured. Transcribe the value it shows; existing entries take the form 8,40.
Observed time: 6,02
